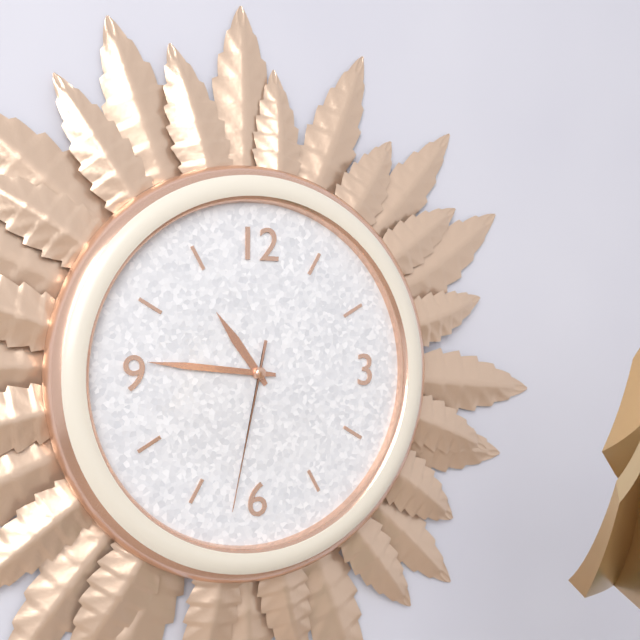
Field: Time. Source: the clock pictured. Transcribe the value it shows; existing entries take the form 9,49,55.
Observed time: 10,46,32
